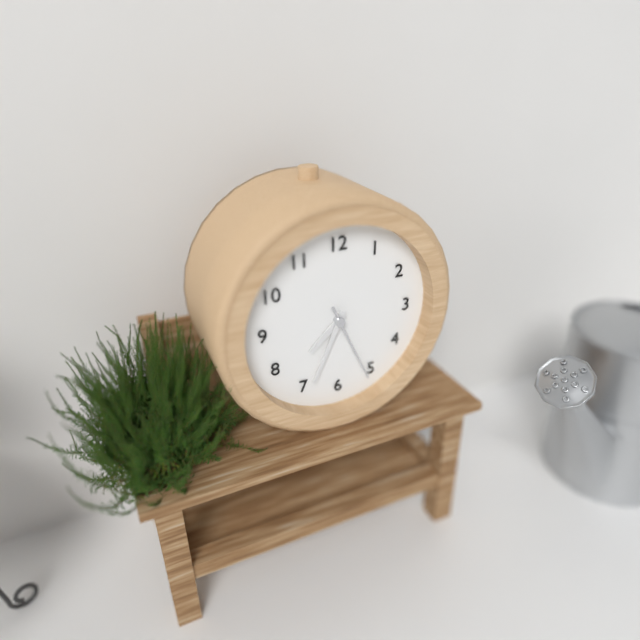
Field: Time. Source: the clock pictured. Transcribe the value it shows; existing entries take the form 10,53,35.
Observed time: 7,34,26
